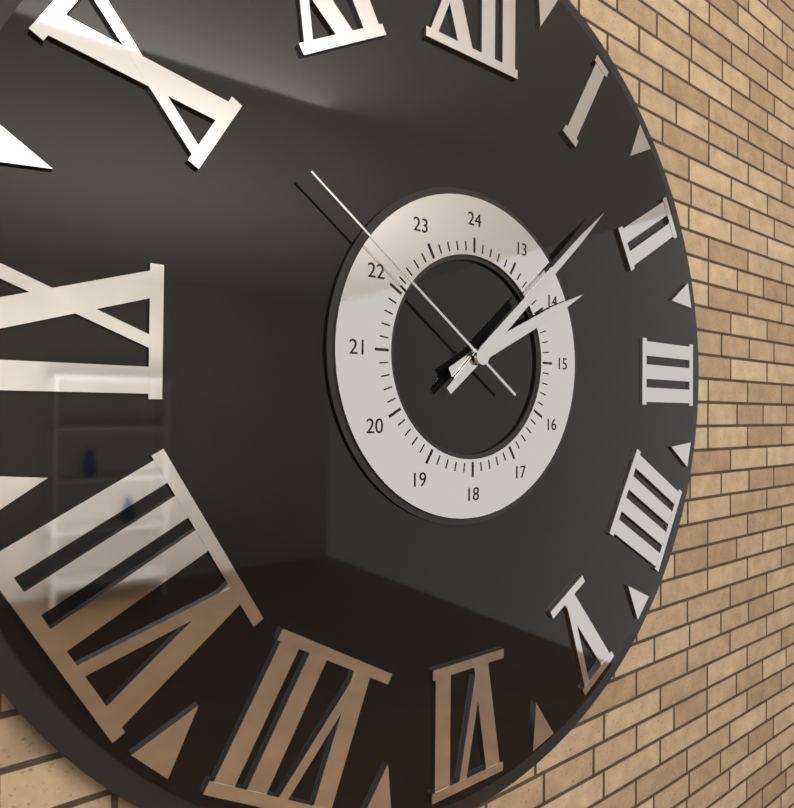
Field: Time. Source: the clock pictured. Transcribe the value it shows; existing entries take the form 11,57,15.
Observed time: 2,08,51
